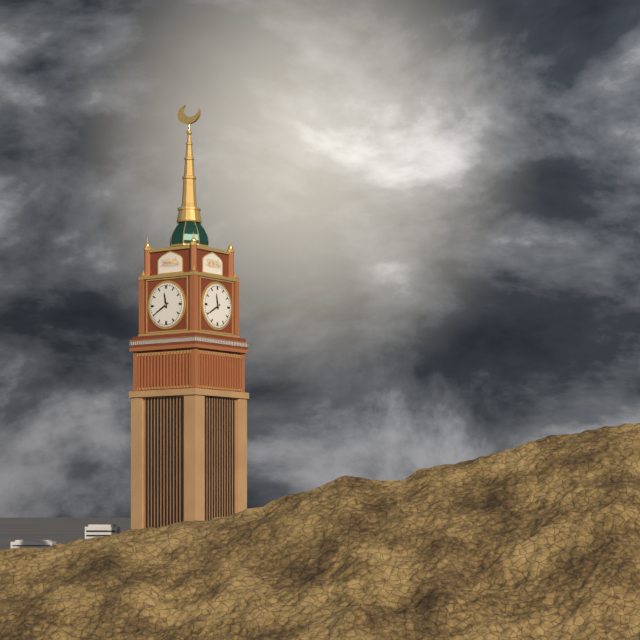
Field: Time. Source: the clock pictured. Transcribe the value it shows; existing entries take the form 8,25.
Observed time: 11,40
